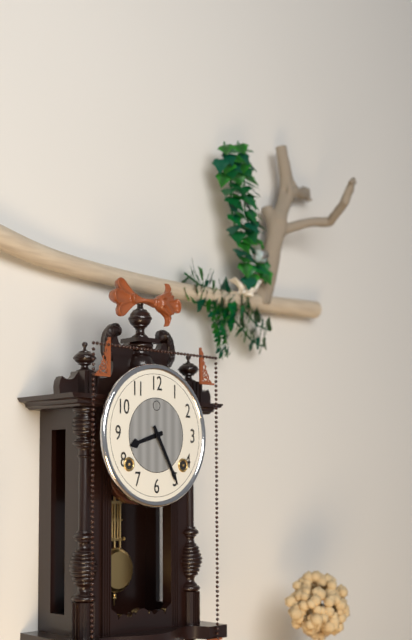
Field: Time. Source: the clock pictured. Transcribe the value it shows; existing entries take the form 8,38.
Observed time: 8,25
